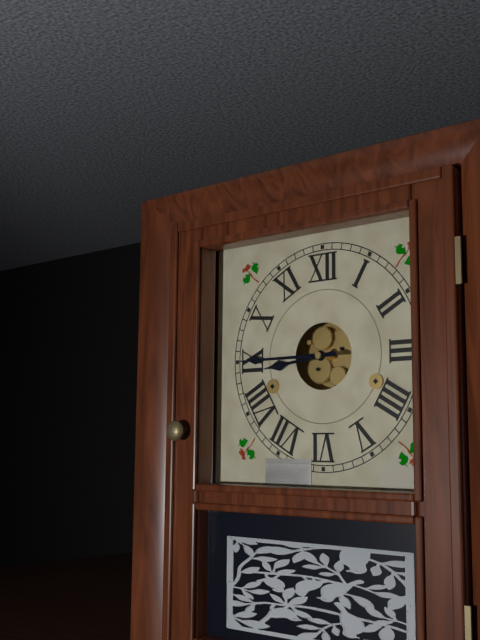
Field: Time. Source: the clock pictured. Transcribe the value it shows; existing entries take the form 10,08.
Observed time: 8,45
